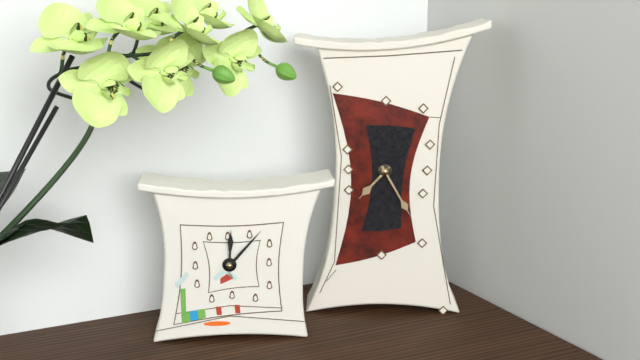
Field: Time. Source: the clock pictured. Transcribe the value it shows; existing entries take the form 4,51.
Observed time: 7,25
